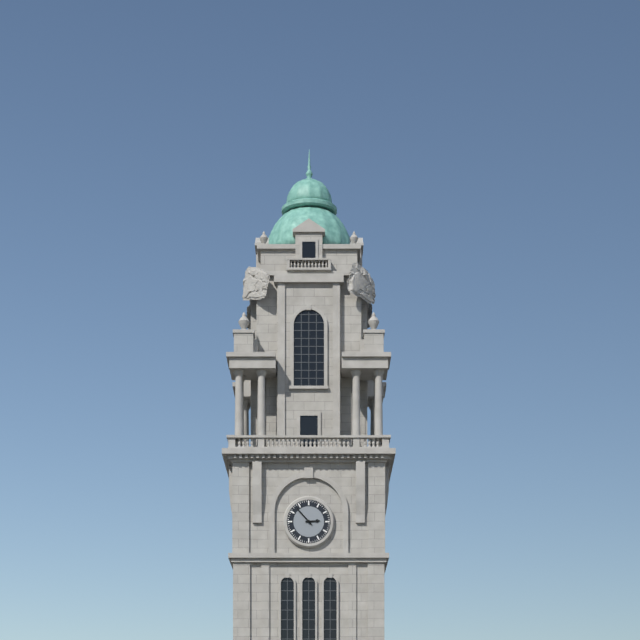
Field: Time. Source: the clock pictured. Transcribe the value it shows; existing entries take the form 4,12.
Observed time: 2,53
